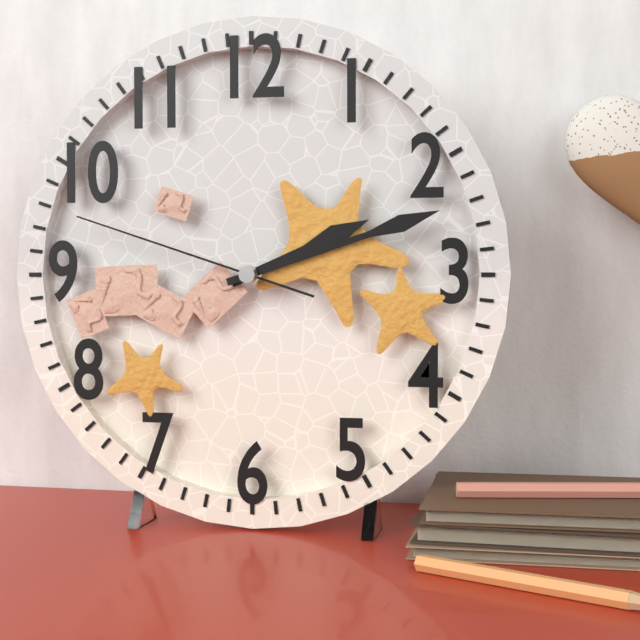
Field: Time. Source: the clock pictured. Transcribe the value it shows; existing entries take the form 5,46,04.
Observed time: 2,12,48
